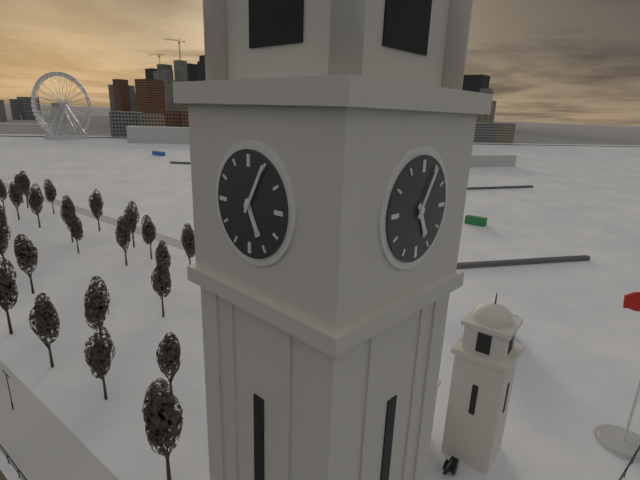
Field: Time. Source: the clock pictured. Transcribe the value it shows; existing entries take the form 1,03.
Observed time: 5,05
